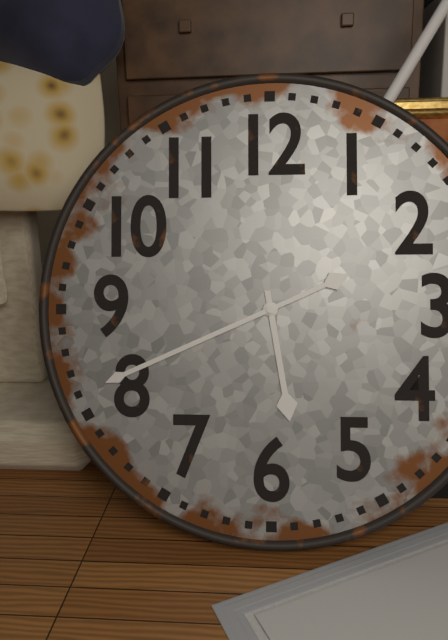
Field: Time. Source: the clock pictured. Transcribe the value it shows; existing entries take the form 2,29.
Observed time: 5,41
